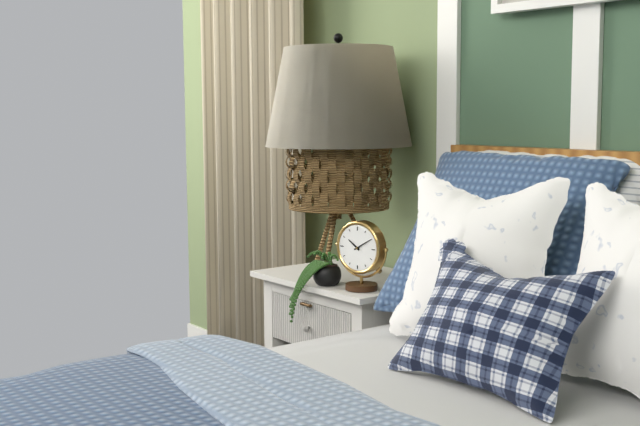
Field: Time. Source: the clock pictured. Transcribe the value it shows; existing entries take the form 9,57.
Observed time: 10,10
